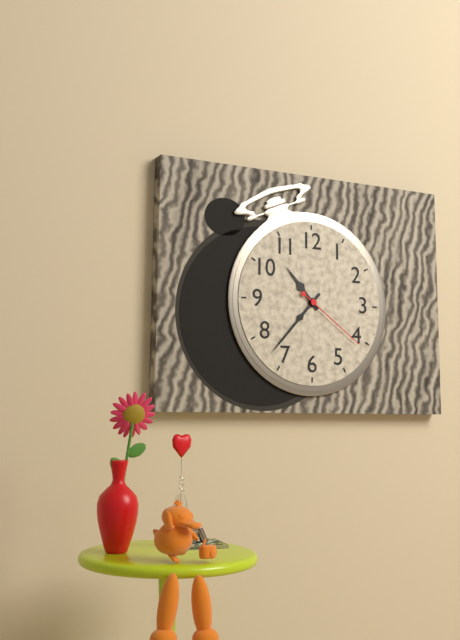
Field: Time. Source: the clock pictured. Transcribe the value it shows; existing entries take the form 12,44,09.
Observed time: 10,37,21
